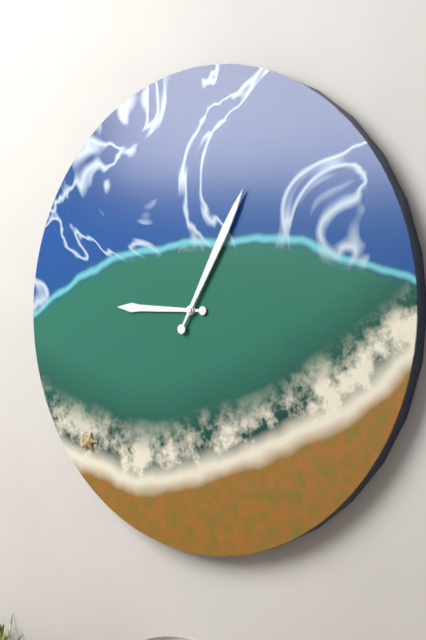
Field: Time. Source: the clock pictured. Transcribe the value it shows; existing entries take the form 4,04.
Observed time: 9,05
